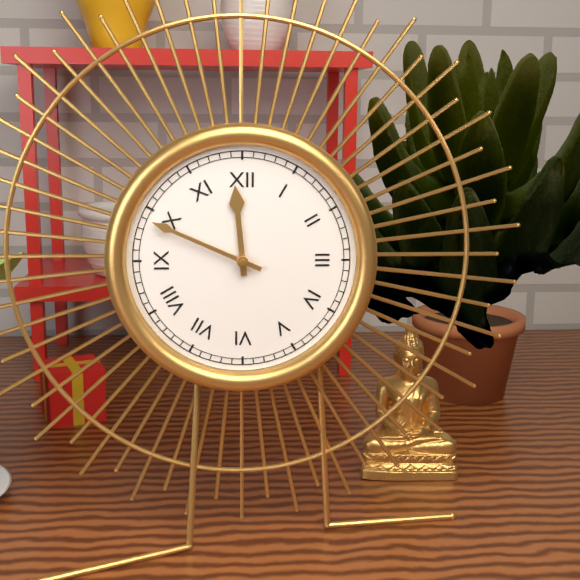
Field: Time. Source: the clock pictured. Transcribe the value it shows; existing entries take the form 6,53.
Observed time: 11,49
